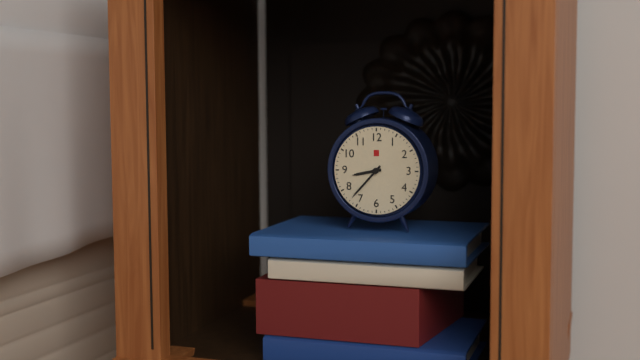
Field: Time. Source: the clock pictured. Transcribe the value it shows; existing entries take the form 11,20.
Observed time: 8,37
